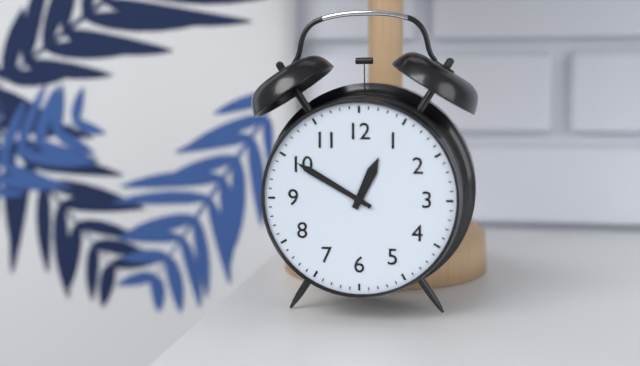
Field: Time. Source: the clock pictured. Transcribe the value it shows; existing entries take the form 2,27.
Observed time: 12,50
